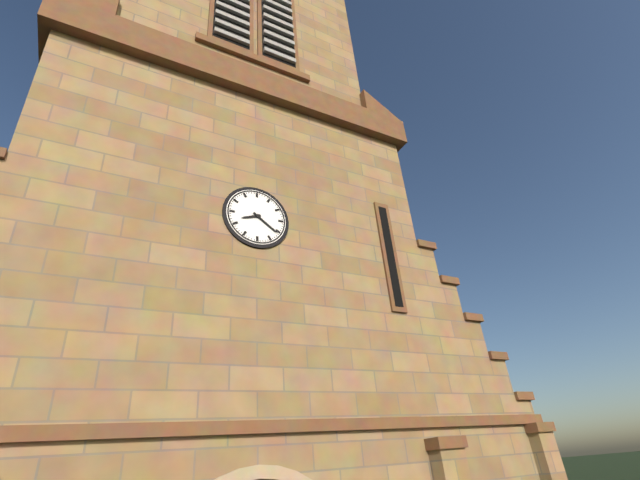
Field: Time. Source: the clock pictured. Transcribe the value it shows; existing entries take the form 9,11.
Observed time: 8,21
